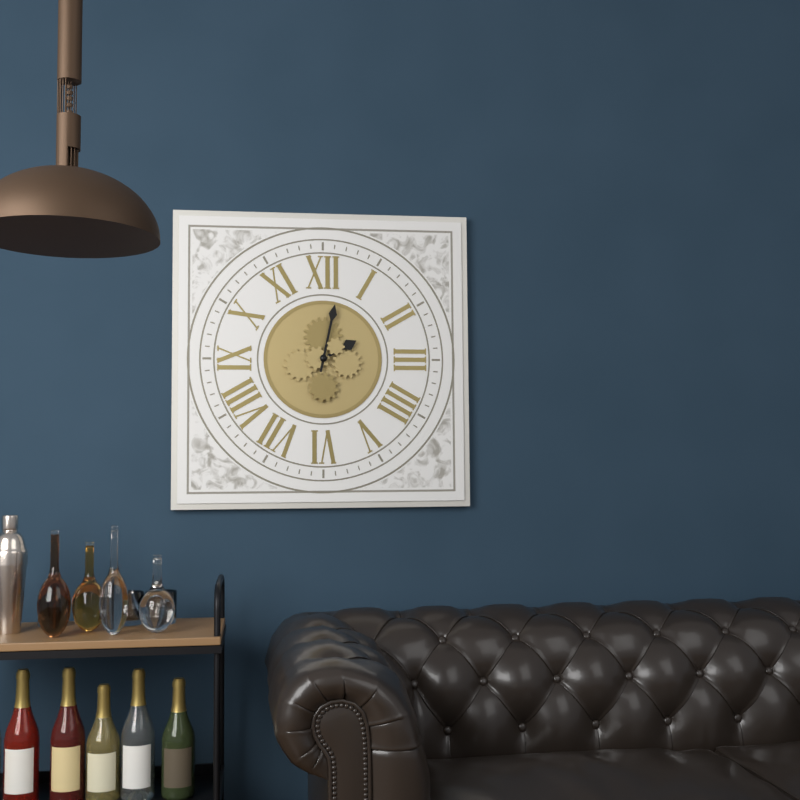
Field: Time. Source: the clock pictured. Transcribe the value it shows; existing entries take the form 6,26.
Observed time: 2,02
